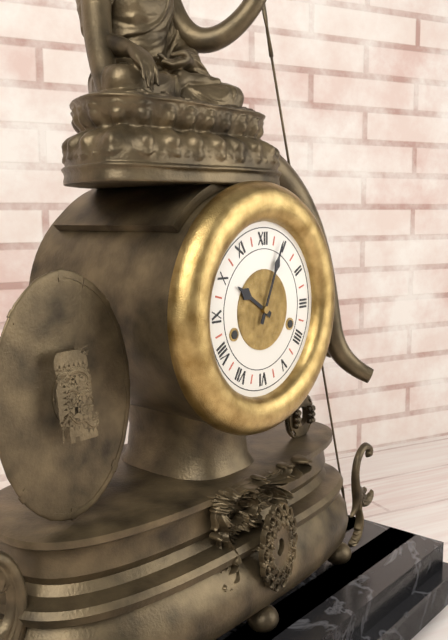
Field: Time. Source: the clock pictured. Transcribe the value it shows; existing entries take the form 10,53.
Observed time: 10,04
